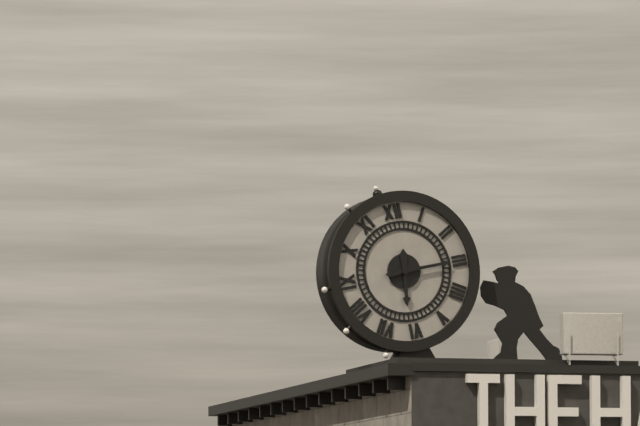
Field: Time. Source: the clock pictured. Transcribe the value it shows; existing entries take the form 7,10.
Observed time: 6,15
